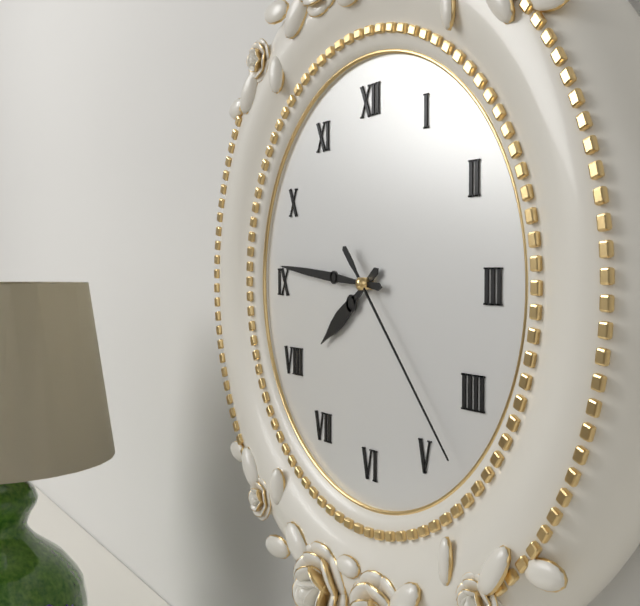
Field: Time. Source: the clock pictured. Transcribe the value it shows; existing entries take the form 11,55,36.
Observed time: 7,46,23
